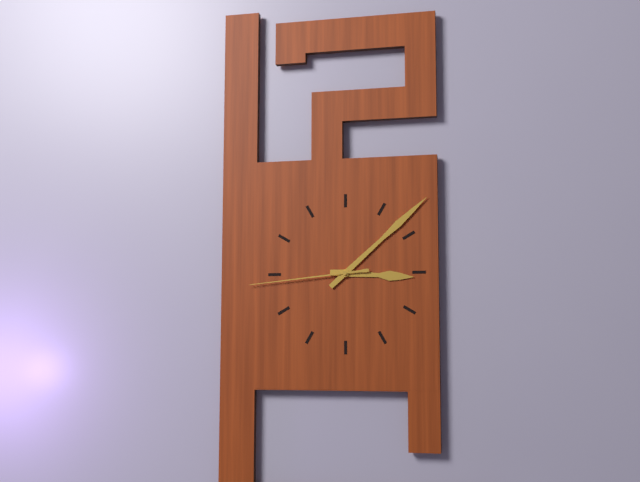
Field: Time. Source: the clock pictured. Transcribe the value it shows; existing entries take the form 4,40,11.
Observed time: 3,08,44
